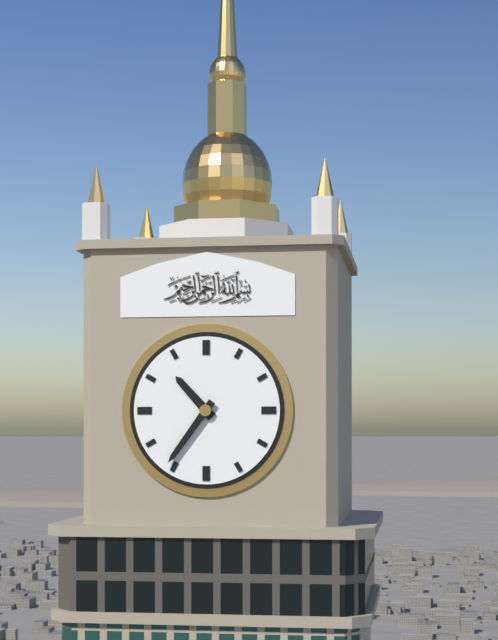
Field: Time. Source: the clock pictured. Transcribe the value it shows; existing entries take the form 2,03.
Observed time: 10,36
